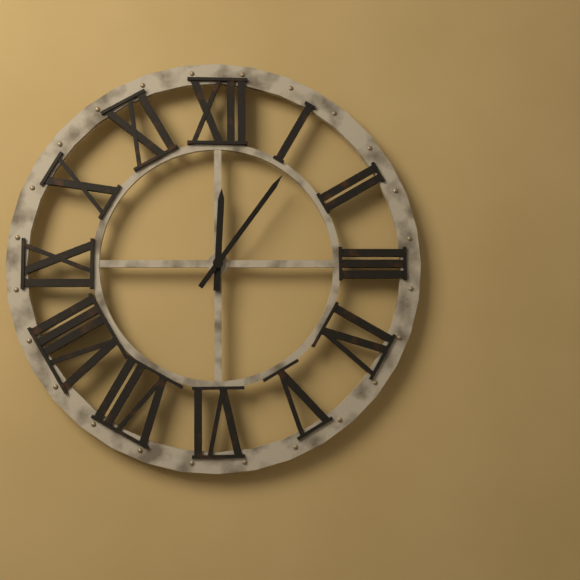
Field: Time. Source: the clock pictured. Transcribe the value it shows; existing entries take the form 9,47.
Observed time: 12,06
